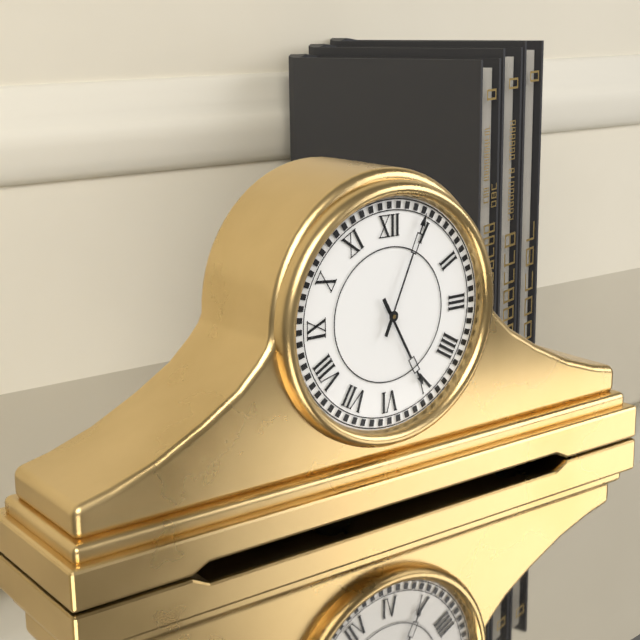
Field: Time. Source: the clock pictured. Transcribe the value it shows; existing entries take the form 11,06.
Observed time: 5,04
